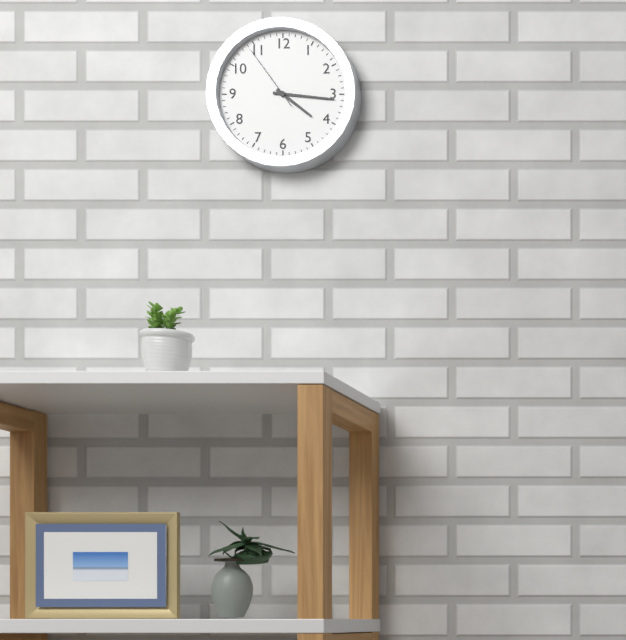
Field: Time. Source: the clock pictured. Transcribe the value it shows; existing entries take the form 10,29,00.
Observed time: 4,16,54
